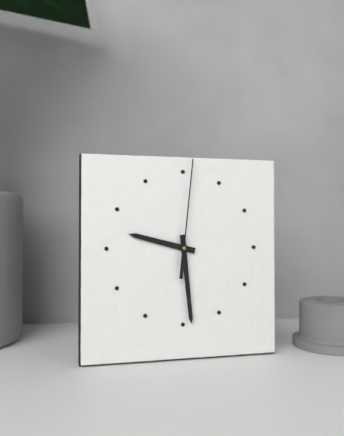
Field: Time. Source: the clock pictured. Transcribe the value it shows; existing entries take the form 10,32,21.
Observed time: 9,29,01
